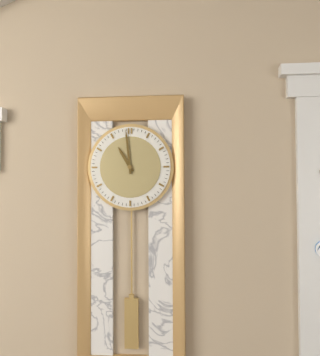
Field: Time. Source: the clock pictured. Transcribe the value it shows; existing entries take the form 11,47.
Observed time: 10,59
